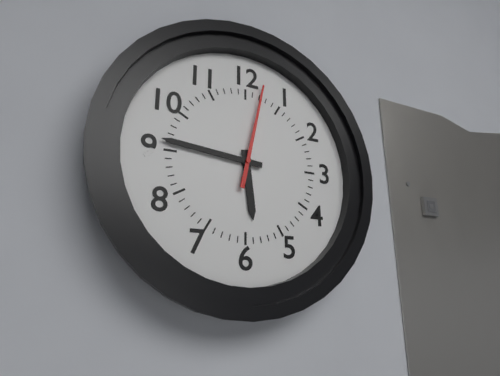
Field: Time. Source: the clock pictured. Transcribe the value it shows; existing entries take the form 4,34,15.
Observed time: 5,46,02
